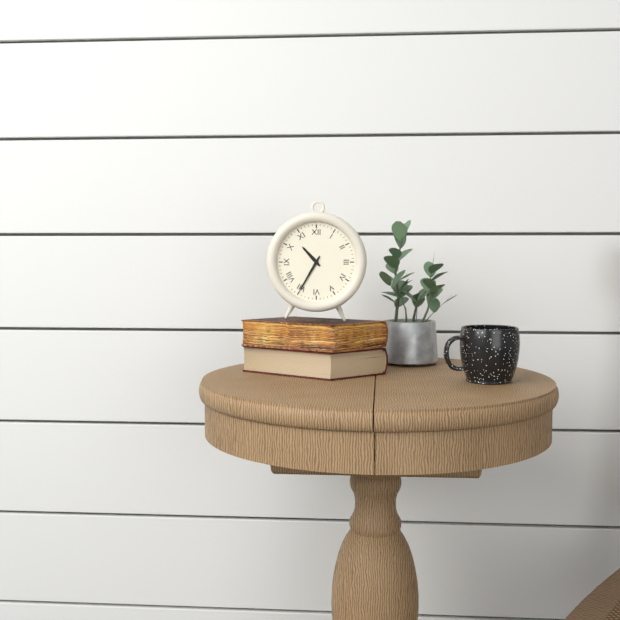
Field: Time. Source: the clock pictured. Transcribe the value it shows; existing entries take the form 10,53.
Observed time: 10,35
